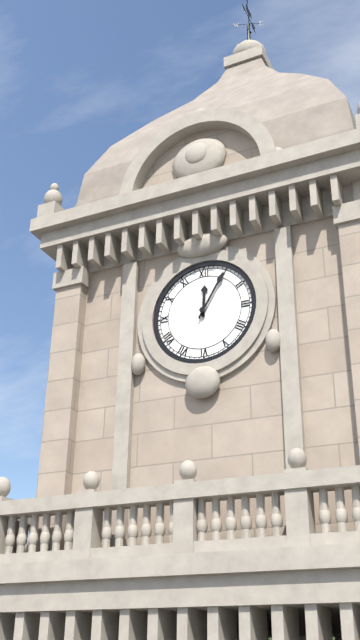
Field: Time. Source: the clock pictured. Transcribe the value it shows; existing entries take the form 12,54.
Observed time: 12,05
